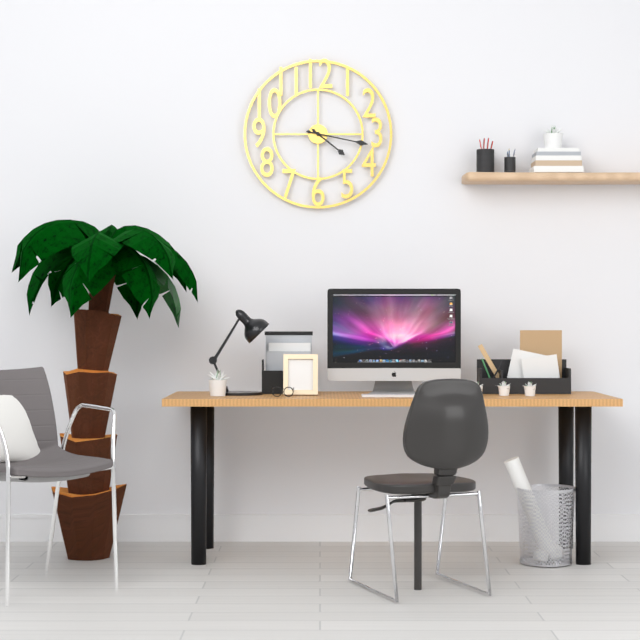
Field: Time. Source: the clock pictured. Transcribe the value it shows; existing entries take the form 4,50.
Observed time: 4,17
